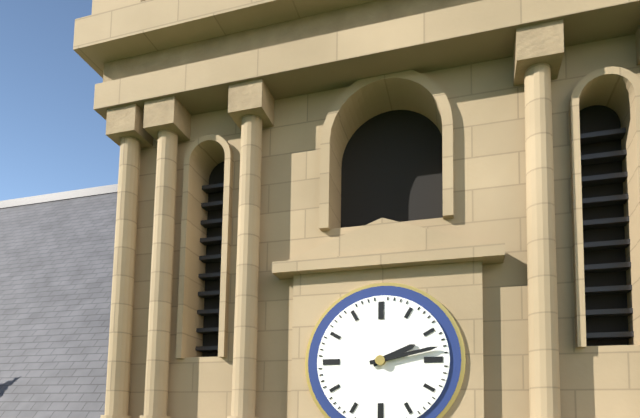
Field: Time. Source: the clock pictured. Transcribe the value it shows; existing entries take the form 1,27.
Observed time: 2,13
